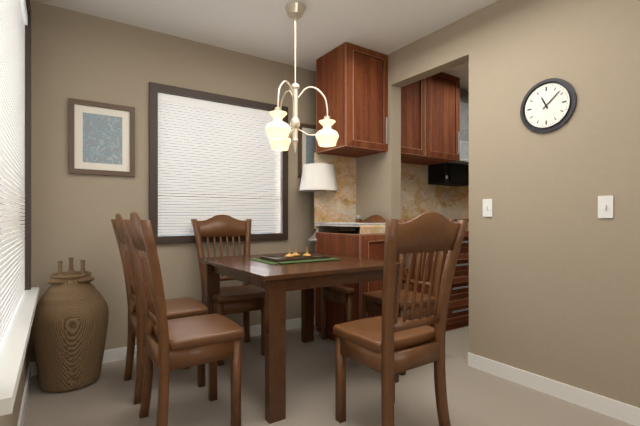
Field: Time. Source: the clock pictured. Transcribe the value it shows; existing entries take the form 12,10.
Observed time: 11,08
